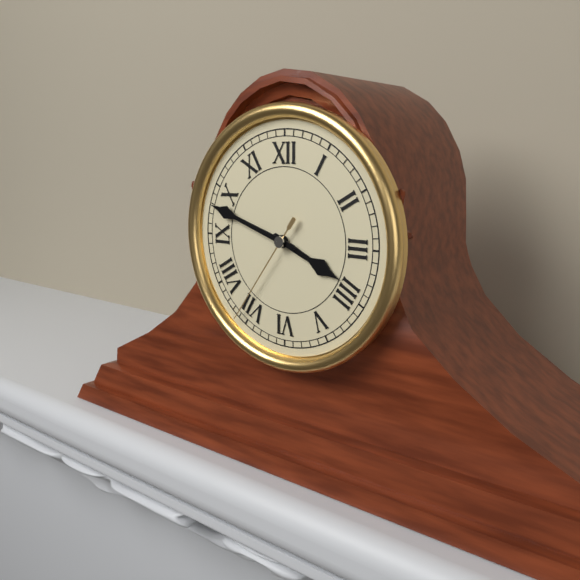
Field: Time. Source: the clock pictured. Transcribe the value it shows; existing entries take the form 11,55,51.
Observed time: 3,48,36
